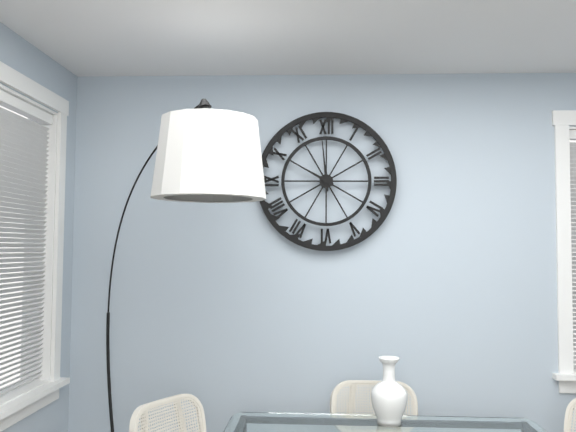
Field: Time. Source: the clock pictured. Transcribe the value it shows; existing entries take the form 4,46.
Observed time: 9,59
